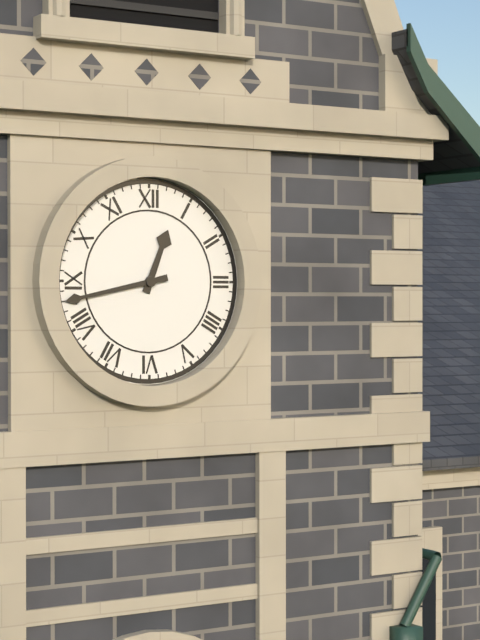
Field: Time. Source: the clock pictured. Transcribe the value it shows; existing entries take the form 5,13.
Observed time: 12,43
